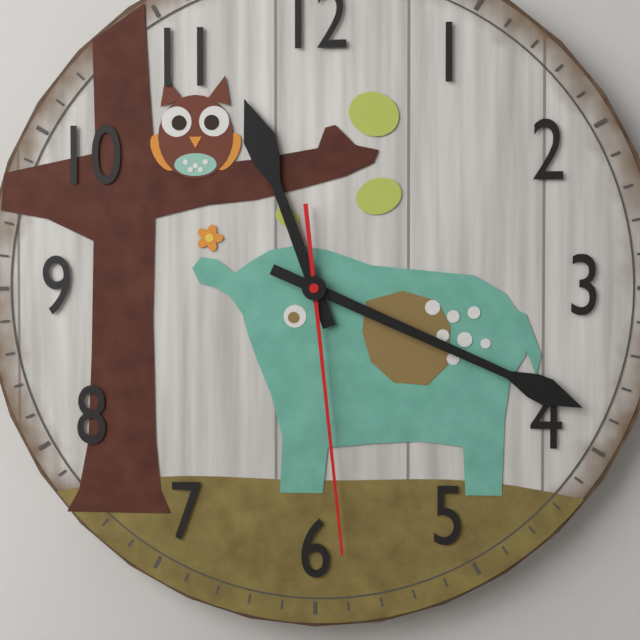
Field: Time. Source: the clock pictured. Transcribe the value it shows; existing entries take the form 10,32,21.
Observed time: 11,19,29
